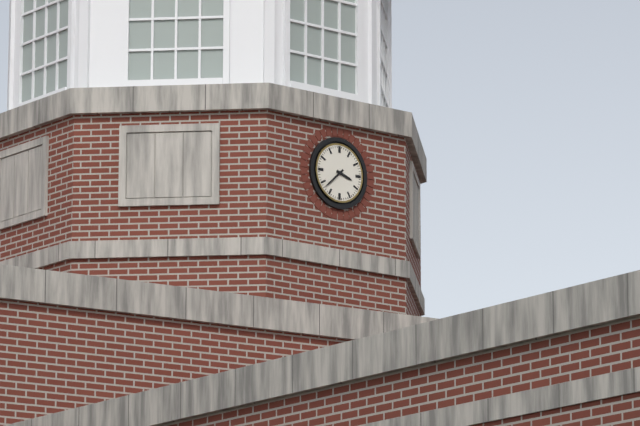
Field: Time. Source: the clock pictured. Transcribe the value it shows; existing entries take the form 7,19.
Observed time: 3,38
